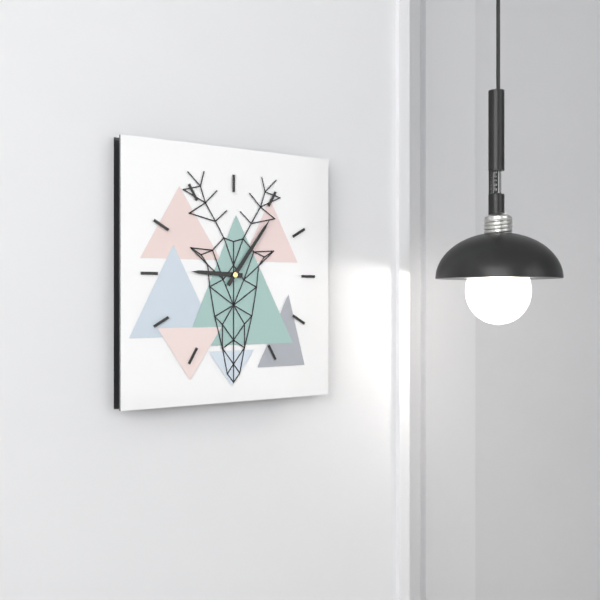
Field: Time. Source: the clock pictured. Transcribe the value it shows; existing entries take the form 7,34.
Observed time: 9,06
